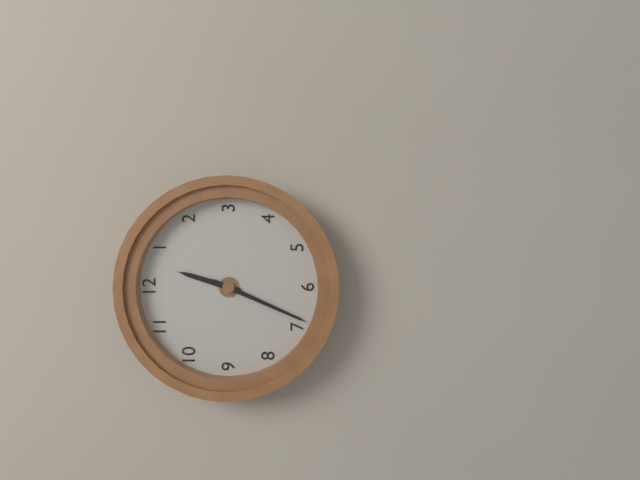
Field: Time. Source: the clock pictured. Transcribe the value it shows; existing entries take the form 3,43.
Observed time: 12,34
